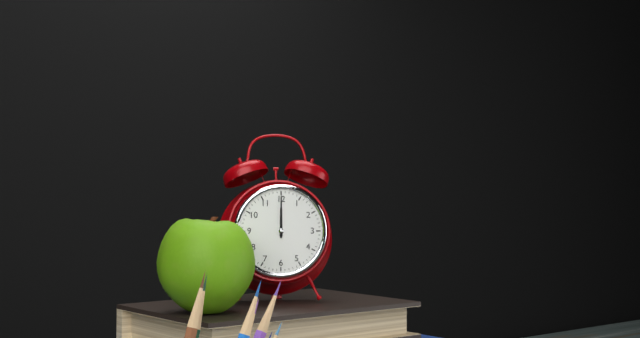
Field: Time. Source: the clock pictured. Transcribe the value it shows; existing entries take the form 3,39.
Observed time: 12,00
